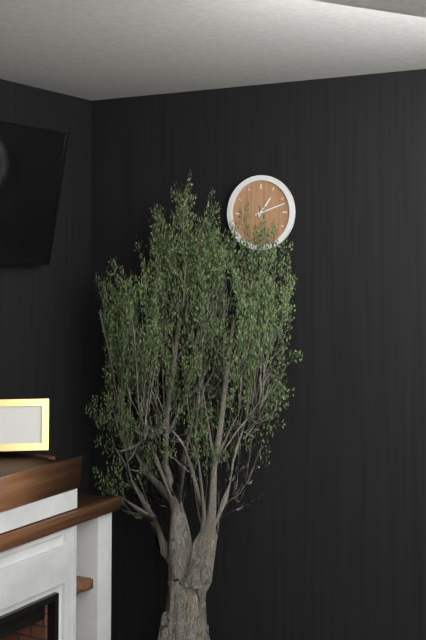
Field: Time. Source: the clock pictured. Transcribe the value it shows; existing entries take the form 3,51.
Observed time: 1,12
